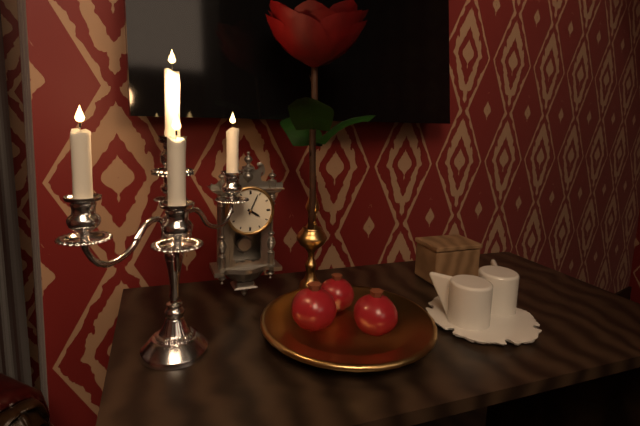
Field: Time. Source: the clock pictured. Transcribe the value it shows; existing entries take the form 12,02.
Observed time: 4,04
